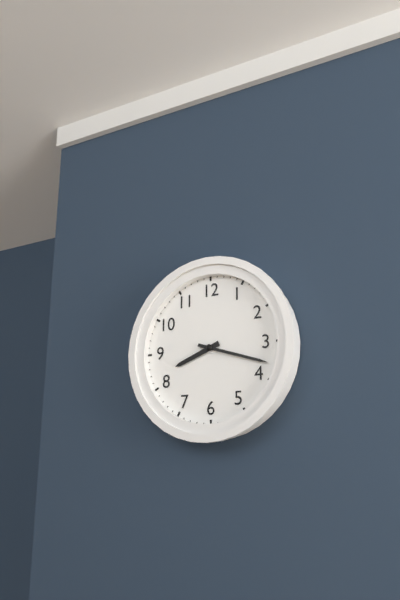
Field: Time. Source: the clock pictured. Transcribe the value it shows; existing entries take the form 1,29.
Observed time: 8,18
